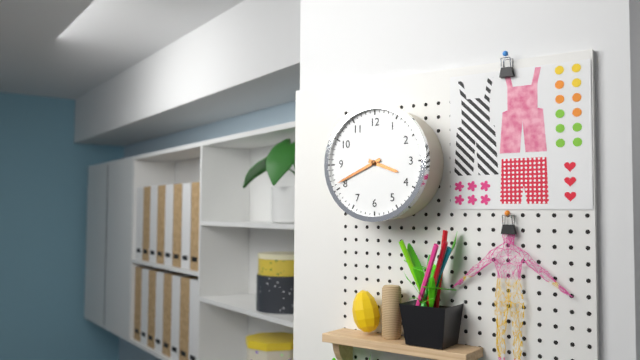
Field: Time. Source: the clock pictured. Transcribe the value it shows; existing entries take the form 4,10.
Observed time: 3,41
